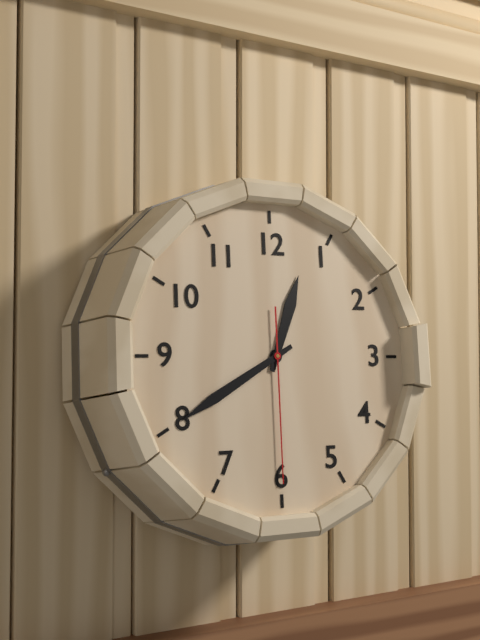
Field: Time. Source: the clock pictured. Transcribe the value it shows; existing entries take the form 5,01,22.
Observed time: 12,40,30
